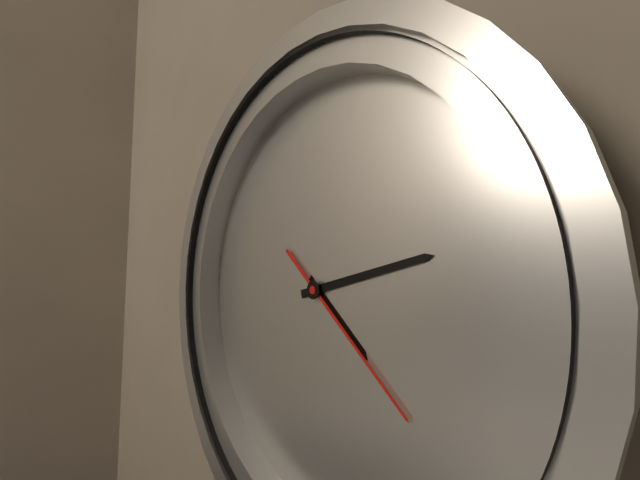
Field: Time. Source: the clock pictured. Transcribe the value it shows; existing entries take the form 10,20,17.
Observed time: 4,12,21
